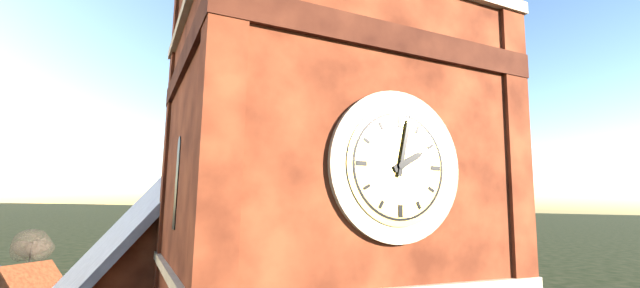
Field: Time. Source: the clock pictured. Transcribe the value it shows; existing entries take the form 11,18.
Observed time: 2,02
